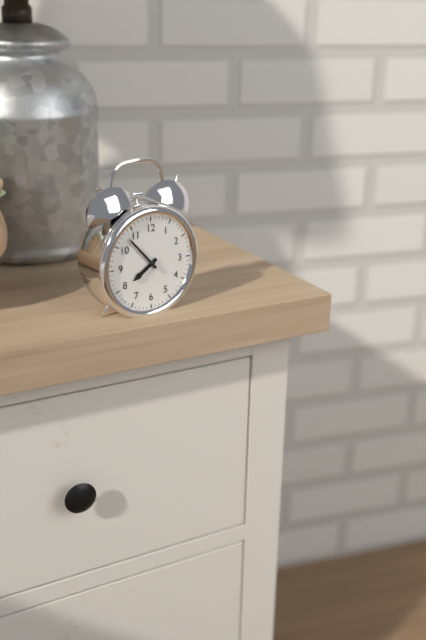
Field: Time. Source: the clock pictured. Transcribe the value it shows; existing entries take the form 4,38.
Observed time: 7,53
